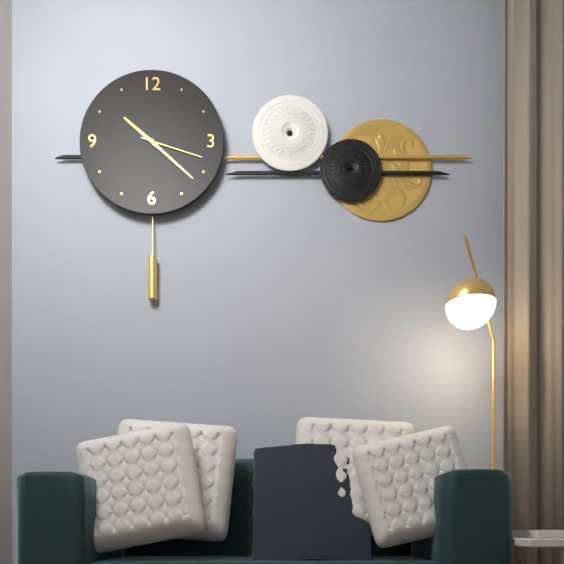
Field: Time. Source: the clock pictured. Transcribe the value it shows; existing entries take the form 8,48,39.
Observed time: 10,22,18
